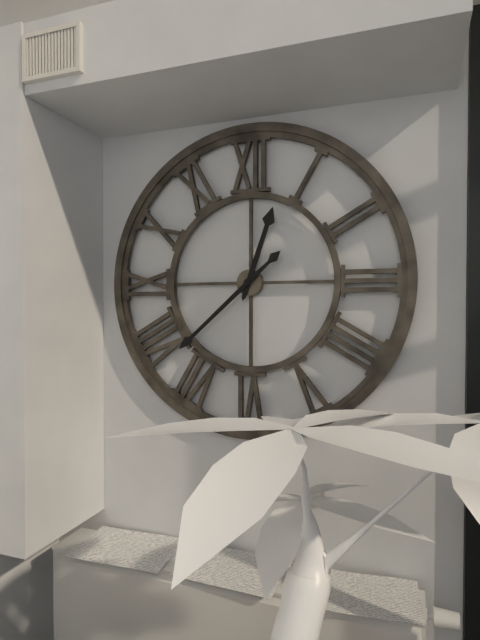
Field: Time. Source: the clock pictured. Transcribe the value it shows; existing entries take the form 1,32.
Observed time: 12,38
